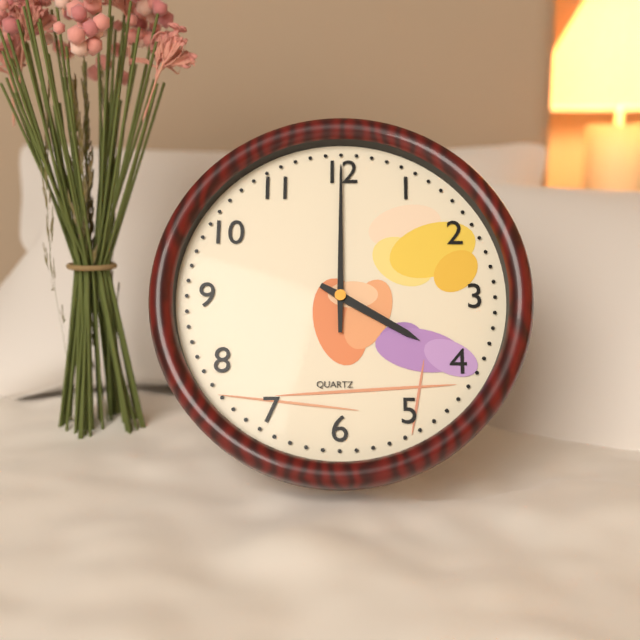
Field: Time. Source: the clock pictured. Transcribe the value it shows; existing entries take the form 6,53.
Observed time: 4,00
